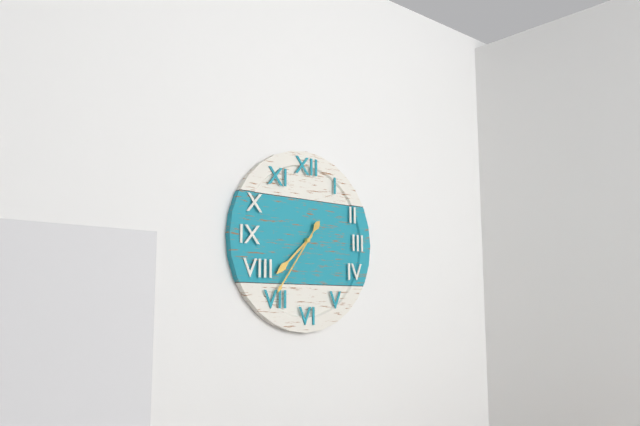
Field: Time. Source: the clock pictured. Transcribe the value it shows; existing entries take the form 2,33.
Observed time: 7,36
